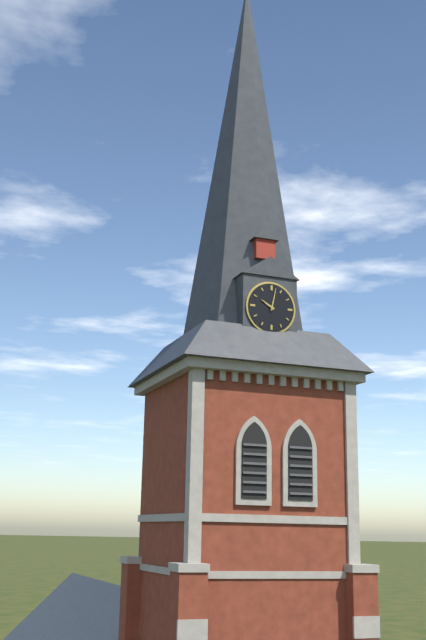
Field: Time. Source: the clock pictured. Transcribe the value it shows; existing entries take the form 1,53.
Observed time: 10,02
